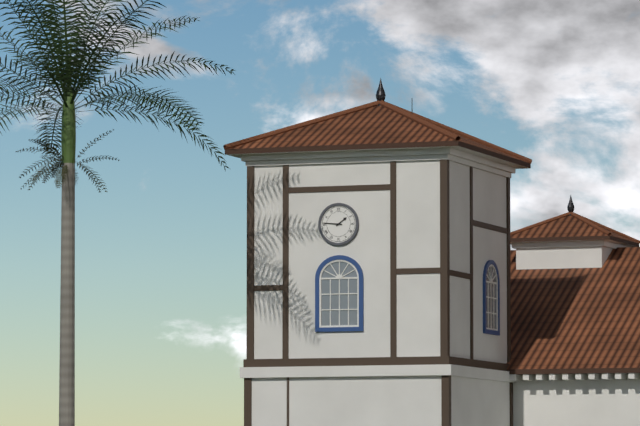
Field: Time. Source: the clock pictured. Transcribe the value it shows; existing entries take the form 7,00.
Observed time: 1,46
